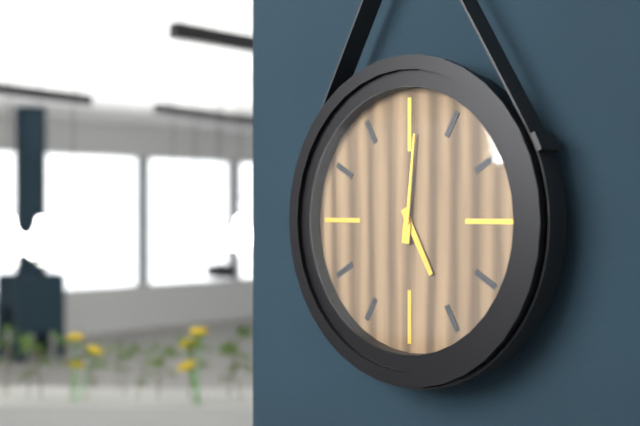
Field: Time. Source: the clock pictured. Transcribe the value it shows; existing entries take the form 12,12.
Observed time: 5,01
